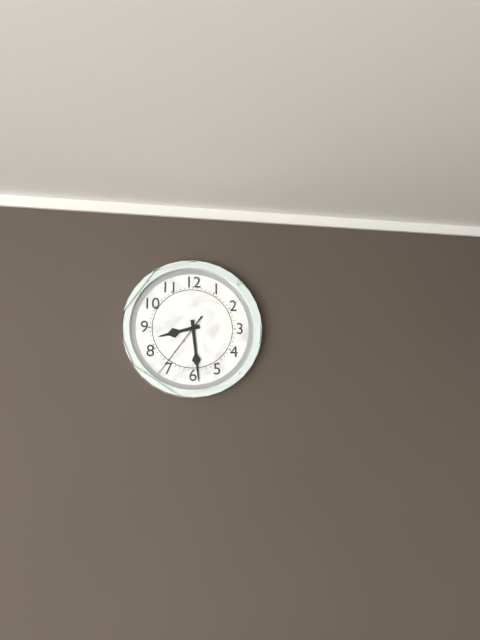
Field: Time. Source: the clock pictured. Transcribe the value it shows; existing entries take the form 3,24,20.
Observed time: 8,29,36
